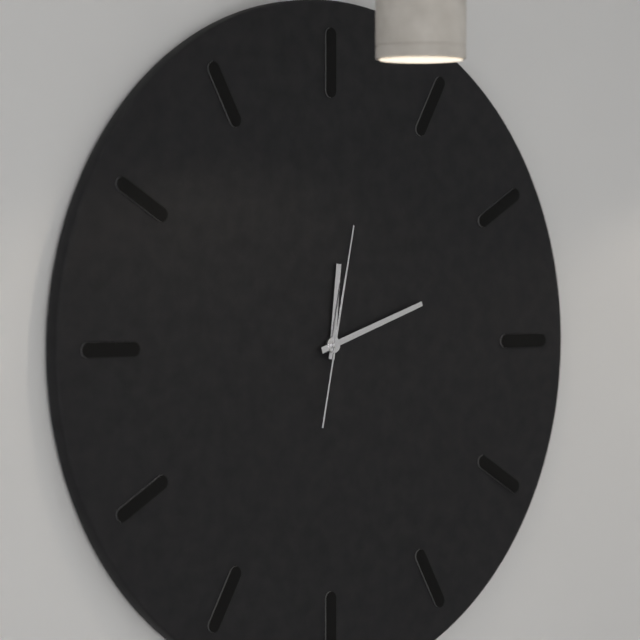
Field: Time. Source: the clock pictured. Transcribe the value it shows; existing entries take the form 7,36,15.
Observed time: 12,12,02
